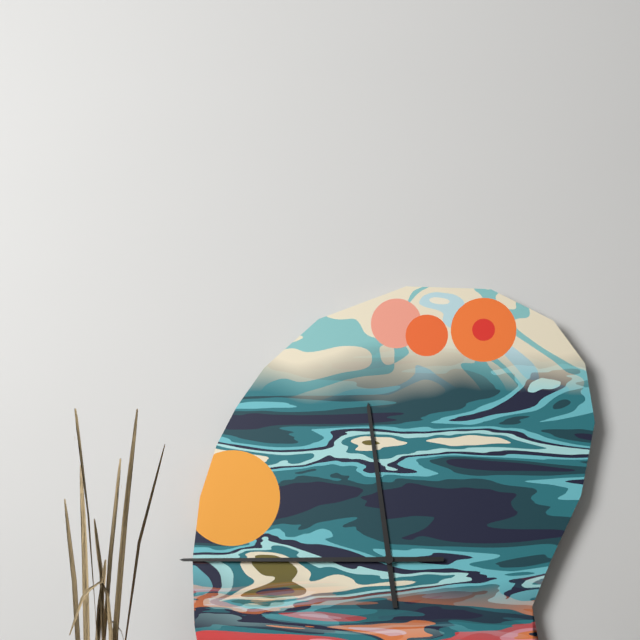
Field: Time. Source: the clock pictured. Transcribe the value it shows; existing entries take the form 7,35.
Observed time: 11,45
